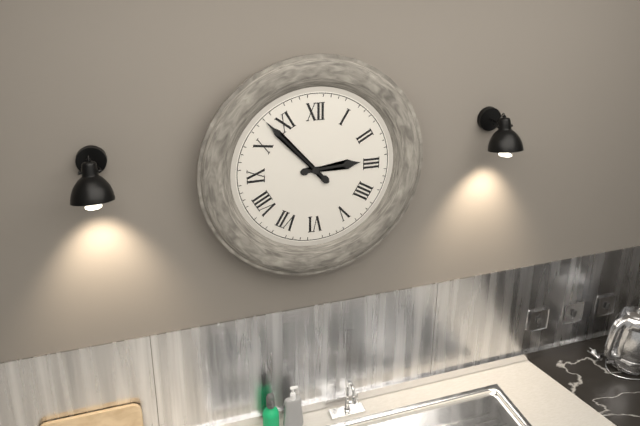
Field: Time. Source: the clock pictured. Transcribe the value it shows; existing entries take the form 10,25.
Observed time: 2,53
